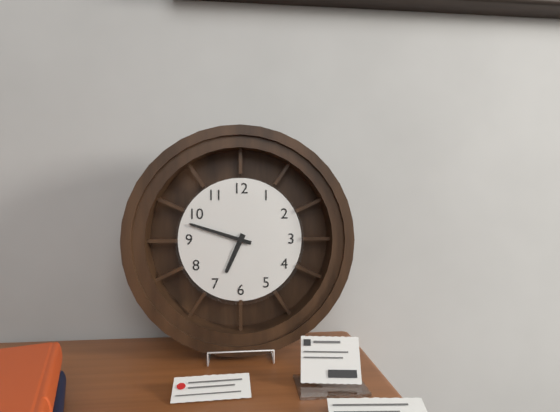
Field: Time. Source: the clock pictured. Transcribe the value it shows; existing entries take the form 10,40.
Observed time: 6,48
